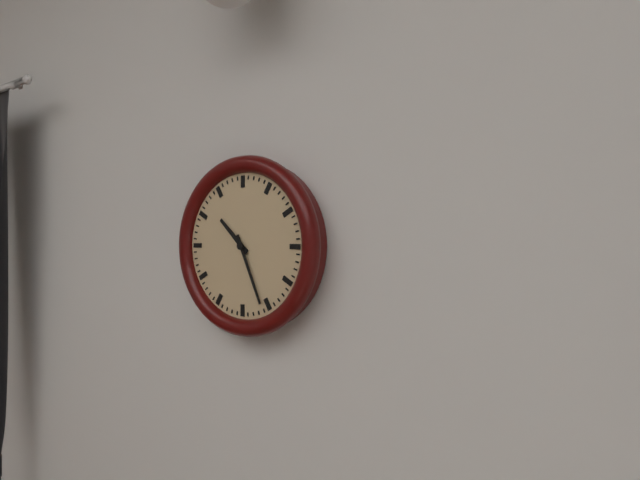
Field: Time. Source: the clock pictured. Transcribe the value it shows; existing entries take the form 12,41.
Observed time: 10,26
